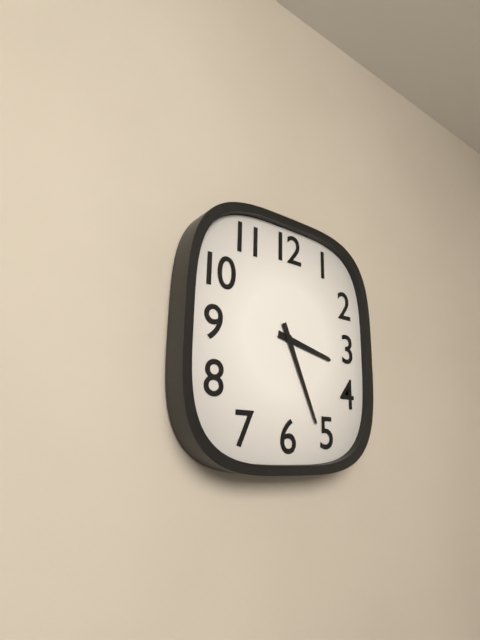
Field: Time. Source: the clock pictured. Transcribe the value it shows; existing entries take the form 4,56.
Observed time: 3,26
